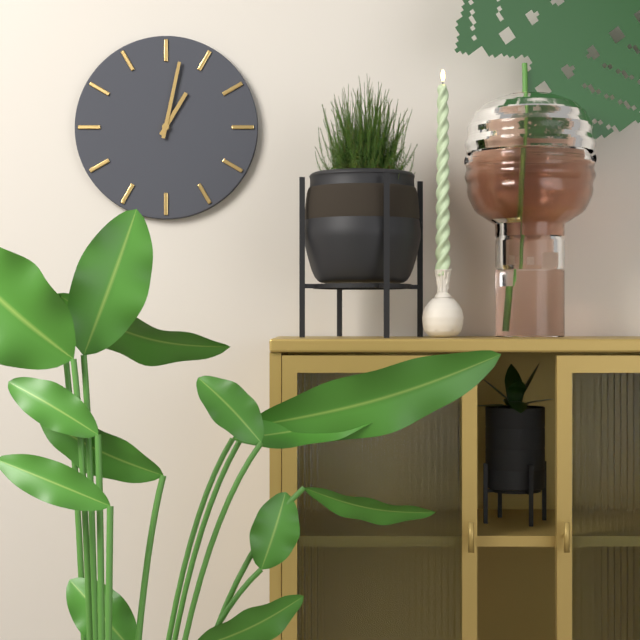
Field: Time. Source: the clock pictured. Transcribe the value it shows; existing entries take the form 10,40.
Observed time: 1,02
